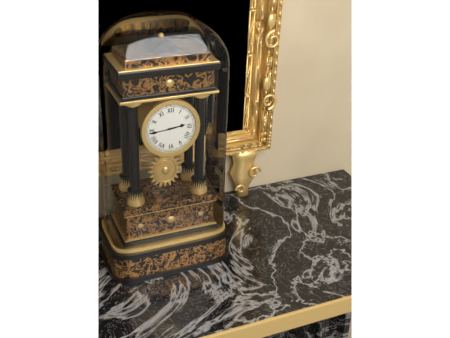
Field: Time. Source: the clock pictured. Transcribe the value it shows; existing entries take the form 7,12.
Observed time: 2,44
